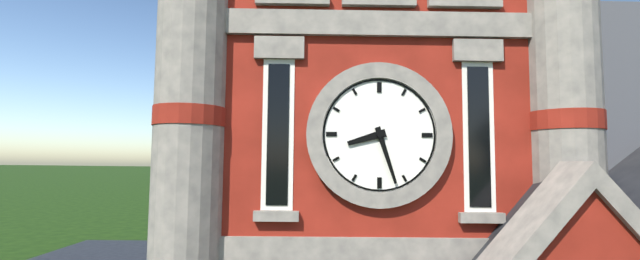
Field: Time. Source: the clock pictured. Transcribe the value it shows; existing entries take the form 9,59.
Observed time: 8,27
